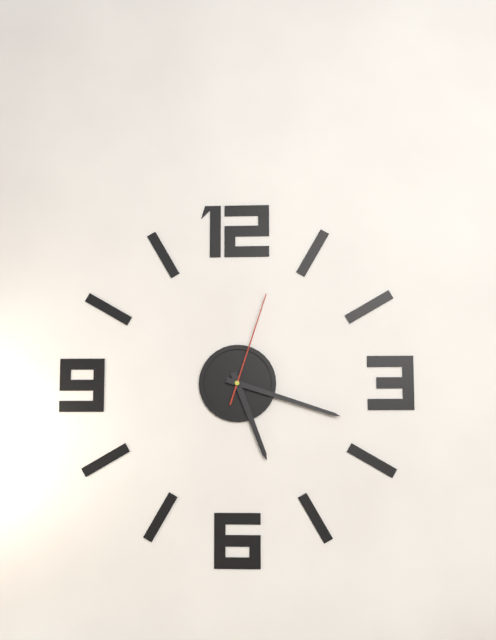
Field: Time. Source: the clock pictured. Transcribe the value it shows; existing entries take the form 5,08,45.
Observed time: 5,18,03
